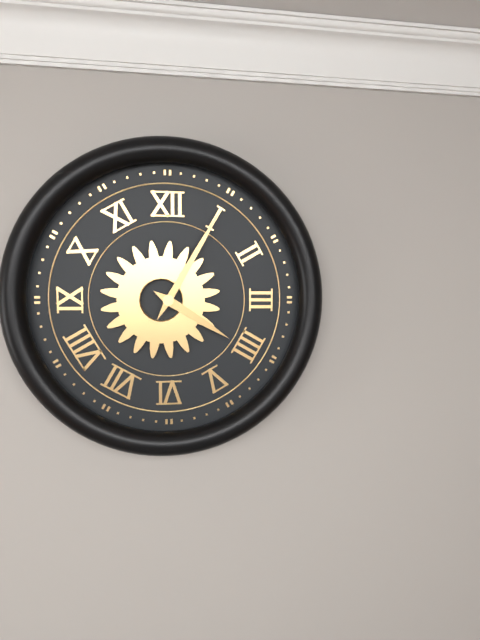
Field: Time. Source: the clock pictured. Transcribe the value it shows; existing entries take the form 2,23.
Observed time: 4,05
